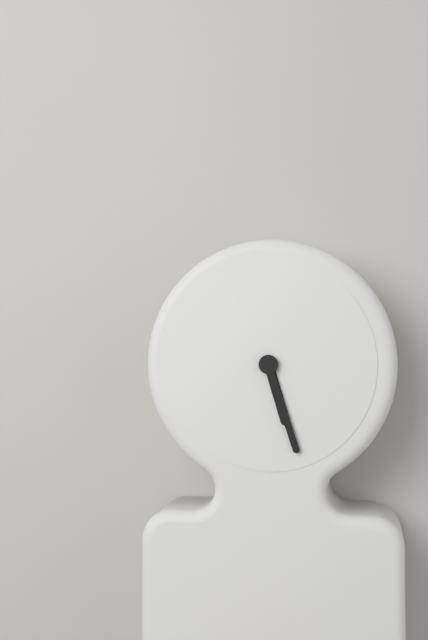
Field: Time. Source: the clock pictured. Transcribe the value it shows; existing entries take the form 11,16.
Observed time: 5,27
